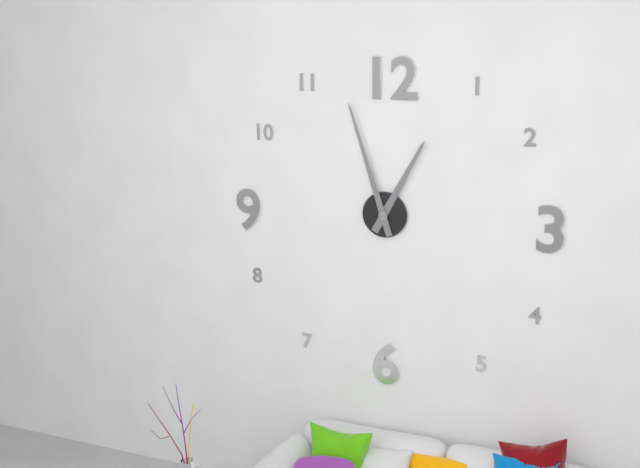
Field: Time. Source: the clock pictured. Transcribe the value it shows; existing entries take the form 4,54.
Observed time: 12,57
